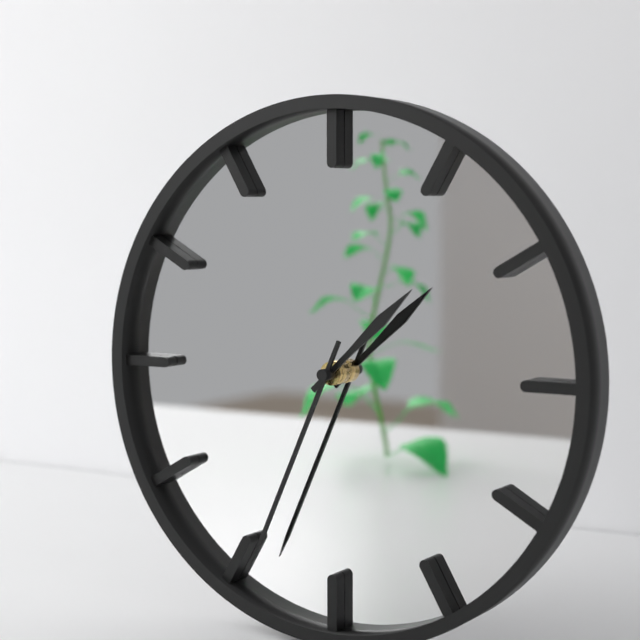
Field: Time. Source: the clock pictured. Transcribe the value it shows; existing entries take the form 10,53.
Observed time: 1,34
